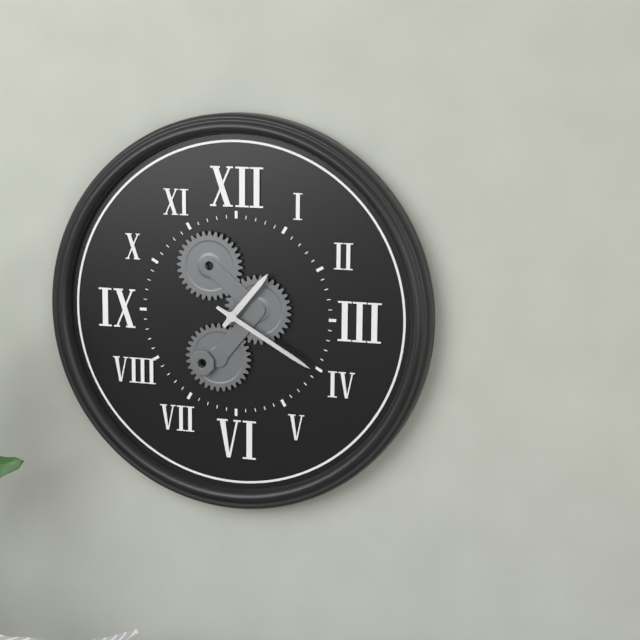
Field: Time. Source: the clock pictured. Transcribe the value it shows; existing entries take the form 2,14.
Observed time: 1,20
